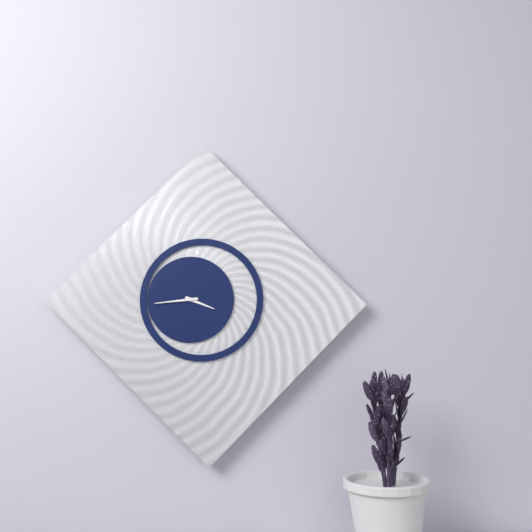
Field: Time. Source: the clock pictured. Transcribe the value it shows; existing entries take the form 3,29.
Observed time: 3,44
